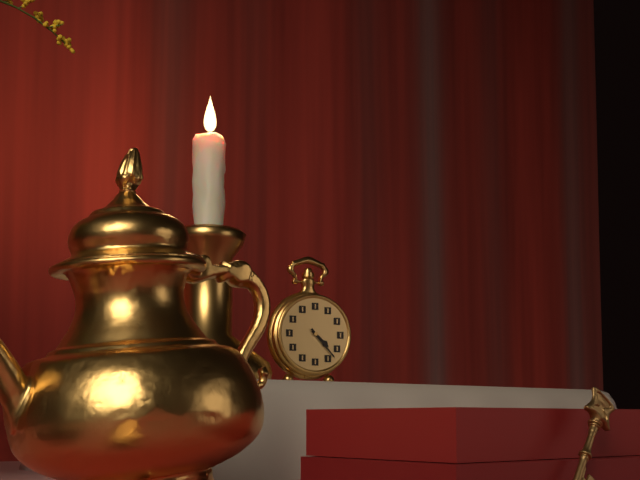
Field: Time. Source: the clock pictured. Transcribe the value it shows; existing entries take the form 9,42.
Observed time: 4,23
